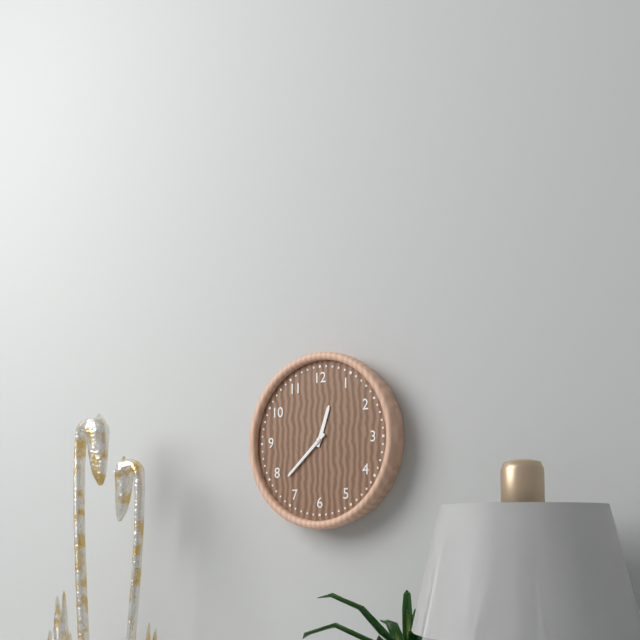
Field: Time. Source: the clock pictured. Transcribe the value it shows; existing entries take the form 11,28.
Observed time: 12,38
